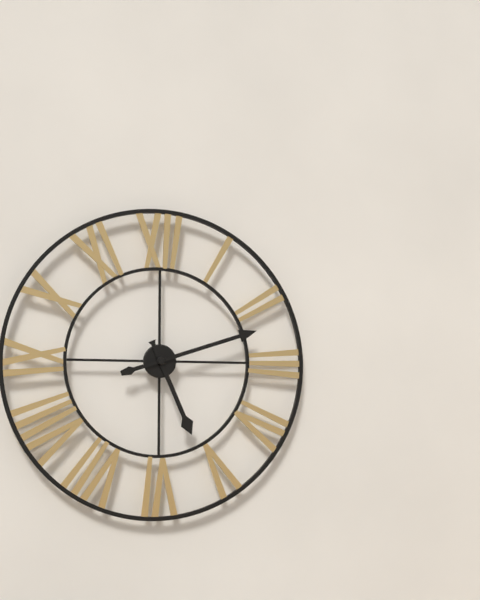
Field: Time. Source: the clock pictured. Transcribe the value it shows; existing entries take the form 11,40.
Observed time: 5,12
